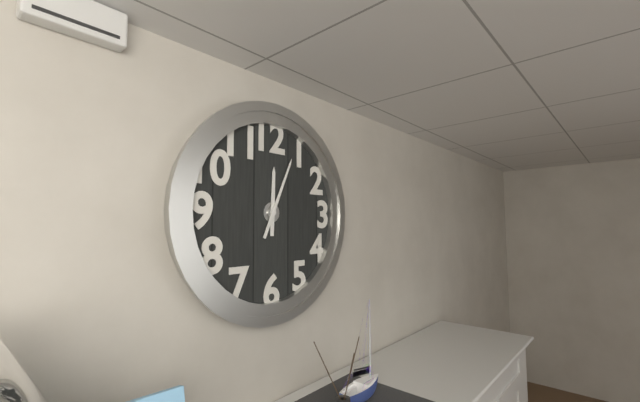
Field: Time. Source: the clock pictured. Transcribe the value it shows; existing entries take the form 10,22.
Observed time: 12,04
